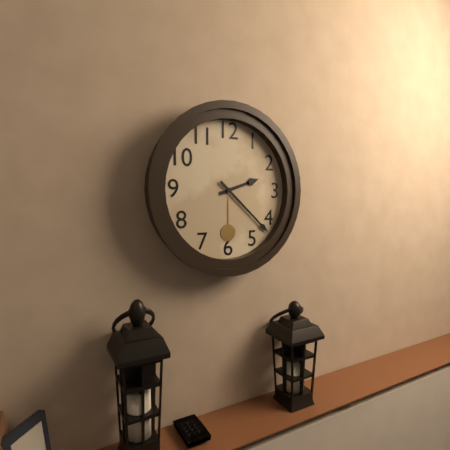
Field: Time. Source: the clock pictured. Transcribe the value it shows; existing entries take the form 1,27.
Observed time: 2,22
